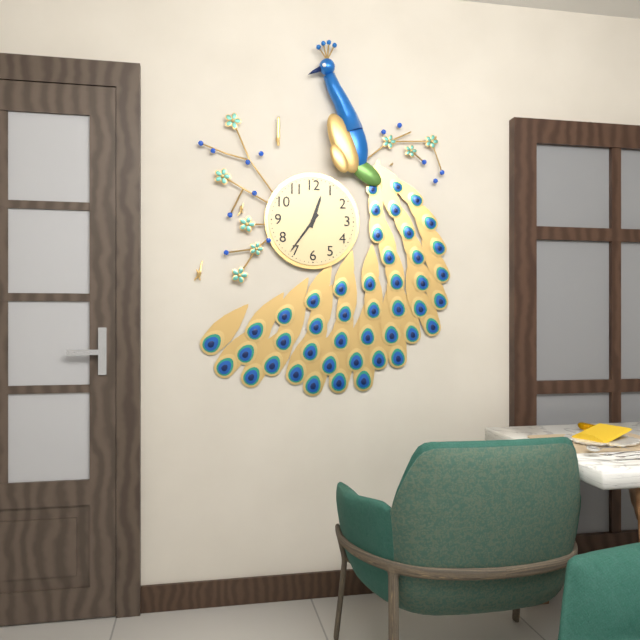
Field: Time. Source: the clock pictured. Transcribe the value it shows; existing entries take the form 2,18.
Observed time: 12,36
